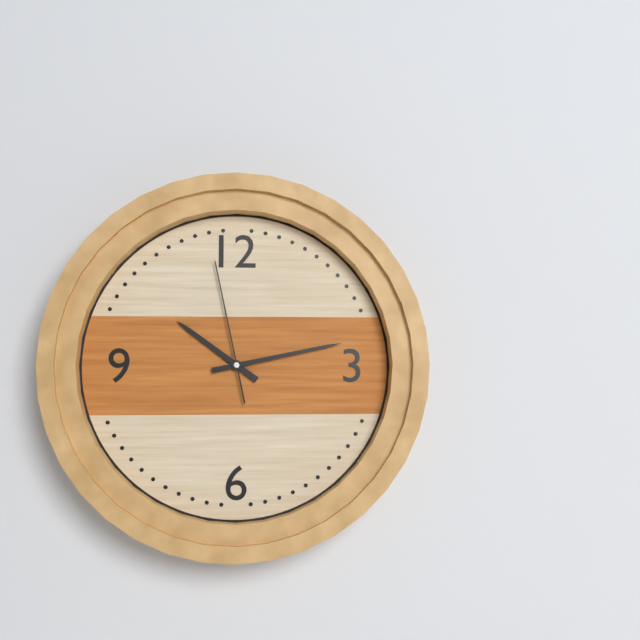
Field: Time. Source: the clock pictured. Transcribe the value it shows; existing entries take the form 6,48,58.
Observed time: 10,13,58
